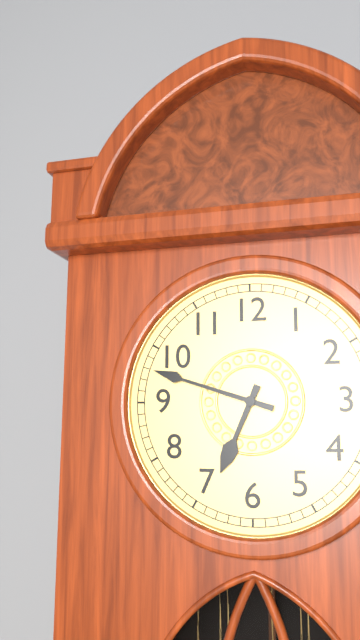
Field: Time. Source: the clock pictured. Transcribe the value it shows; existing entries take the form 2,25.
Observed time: 6,48
